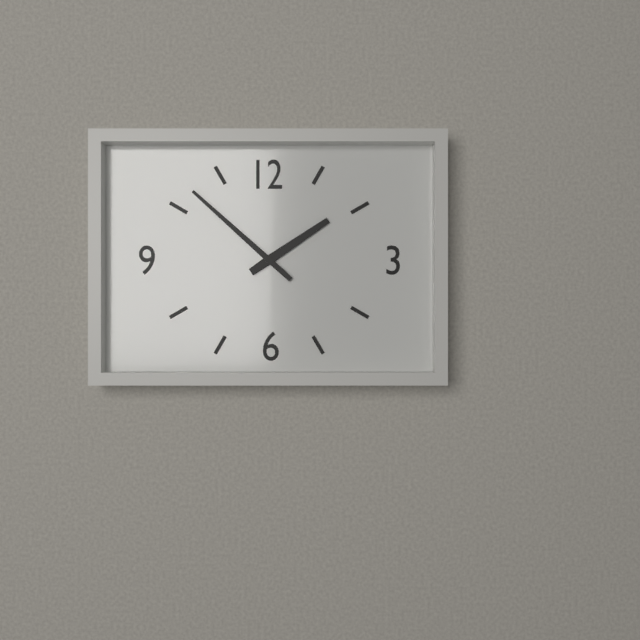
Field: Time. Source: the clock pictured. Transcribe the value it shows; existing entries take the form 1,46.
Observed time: 1,52
